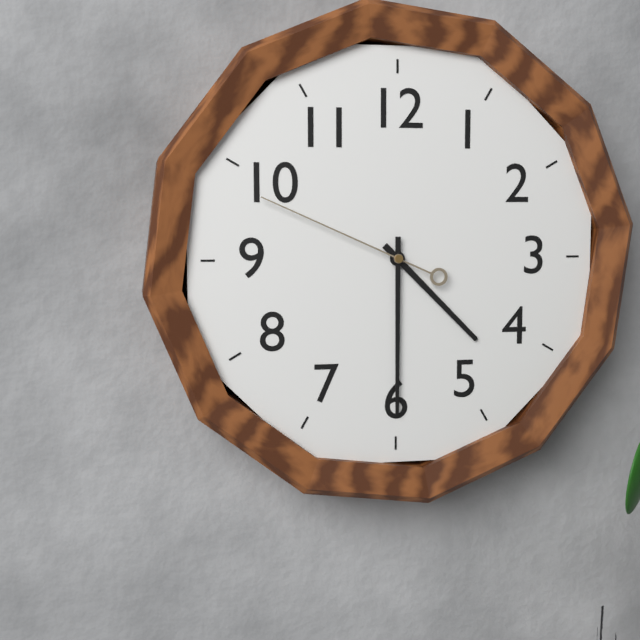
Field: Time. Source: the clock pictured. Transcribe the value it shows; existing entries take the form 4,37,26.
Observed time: 4,30,49
